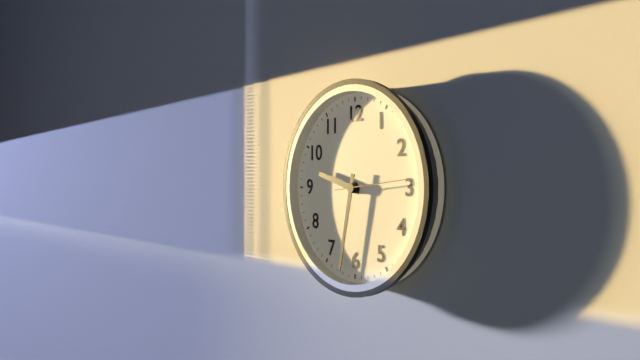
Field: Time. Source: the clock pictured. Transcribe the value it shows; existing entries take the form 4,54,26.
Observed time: 9,32,14
